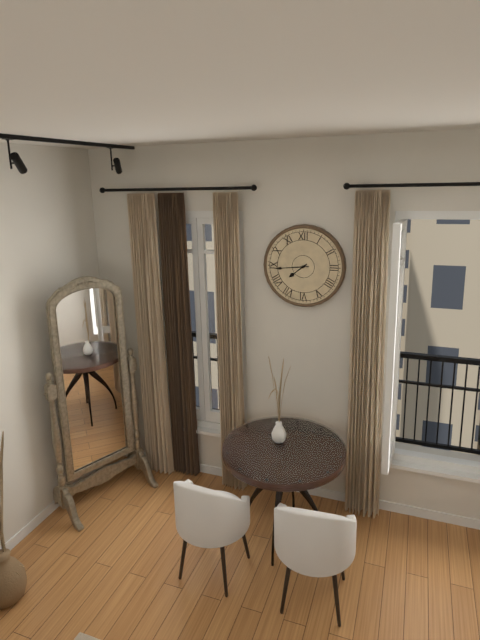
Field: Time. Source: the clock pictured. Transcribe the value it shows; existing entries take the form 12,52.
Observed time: 7,44
